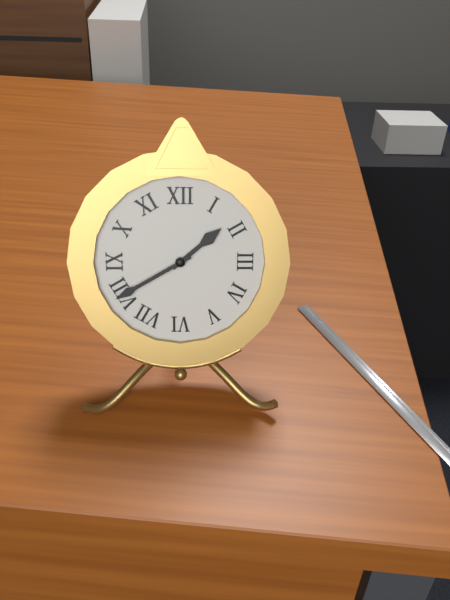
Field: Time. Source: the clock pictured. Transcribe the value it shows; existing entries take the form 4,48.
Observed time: 1,40
